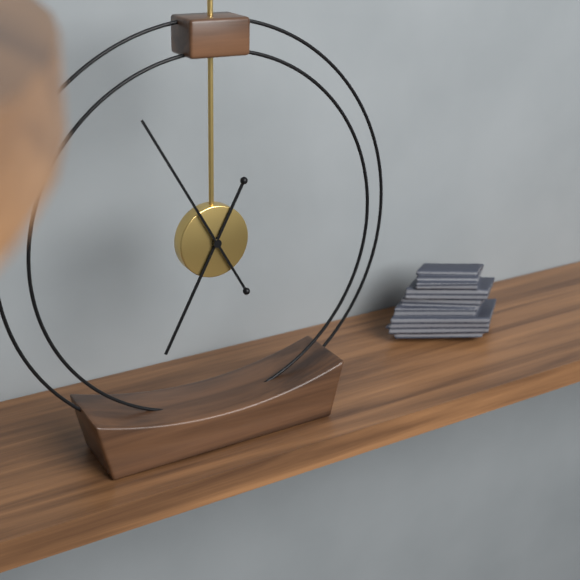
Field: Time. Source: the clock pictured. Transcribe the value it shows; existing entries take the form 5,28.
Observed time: 6,55
